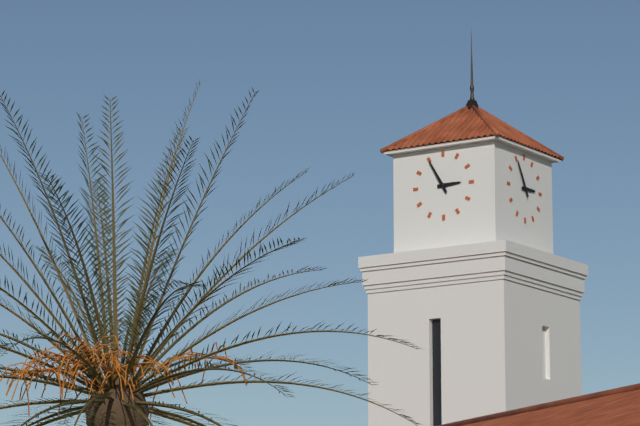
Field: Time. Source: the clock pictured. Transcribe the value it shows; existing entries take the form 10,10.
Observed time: 2,55
